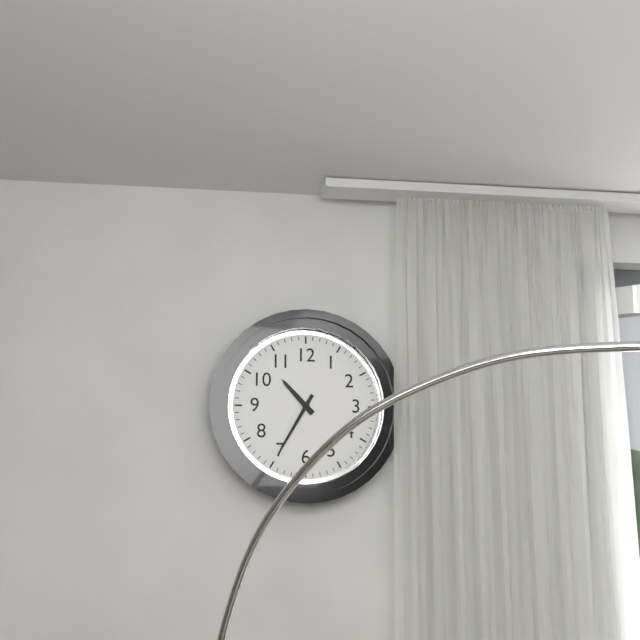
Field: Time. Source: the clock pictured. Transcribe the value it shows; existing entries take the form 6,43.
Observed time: 10,35
